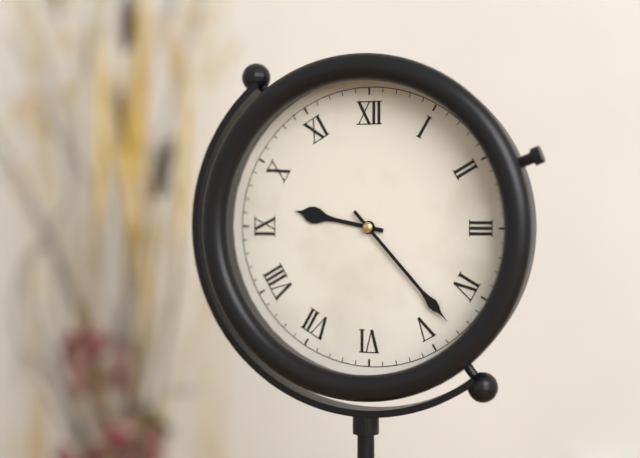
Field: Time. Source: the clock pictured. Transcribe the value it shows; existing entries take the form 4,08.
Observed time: 9,23
